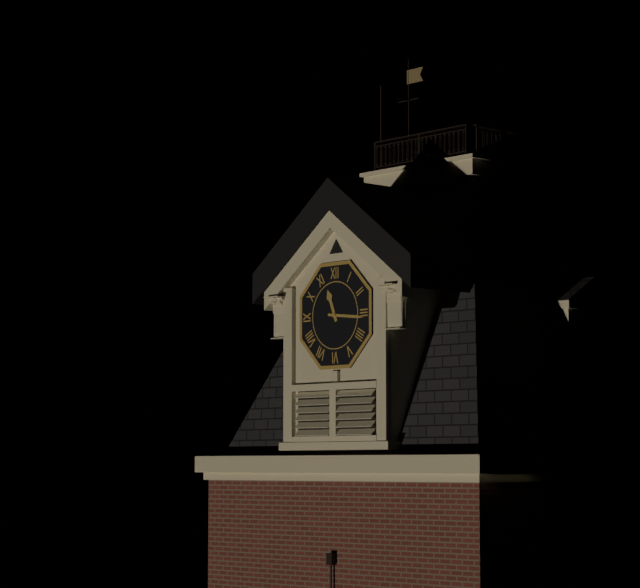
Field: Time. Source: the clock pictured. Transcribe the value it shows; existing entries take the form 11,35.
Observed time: 11,16
